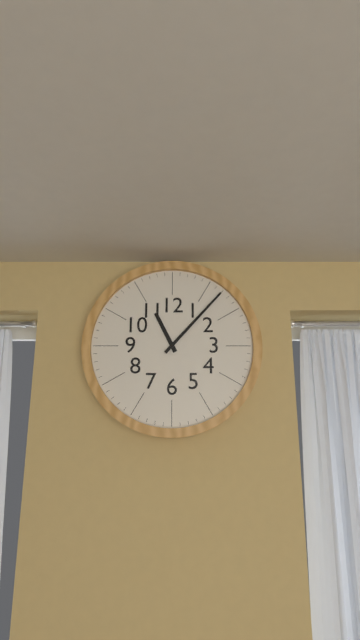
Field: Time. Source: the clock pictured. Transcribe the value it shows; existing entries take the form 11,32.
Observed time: 11,07
